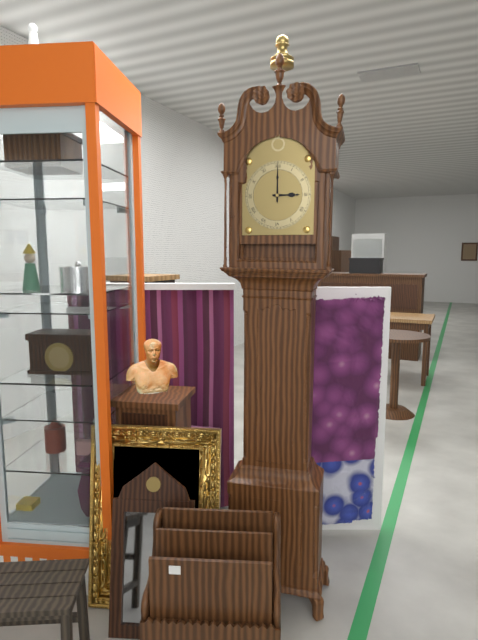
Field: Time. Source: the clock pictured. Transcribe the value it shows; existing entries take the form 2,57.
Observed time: 3,00
